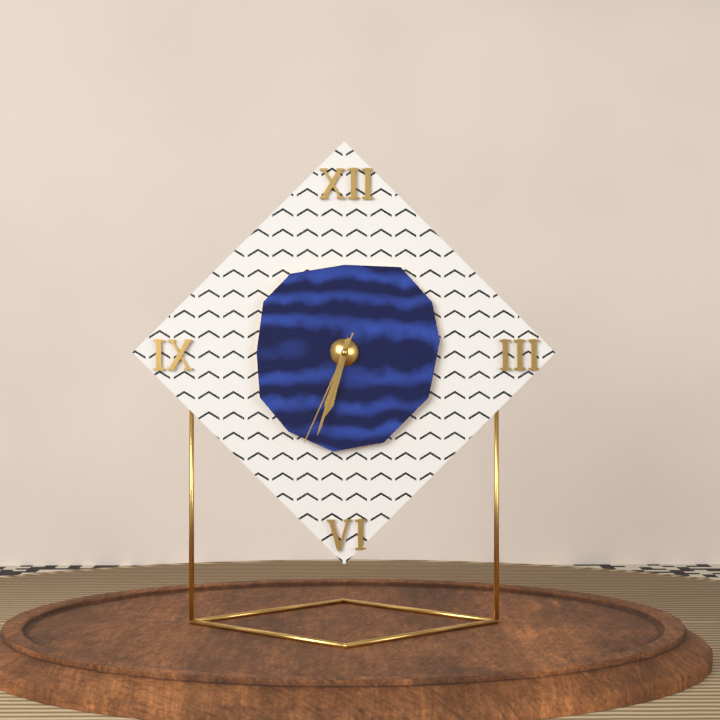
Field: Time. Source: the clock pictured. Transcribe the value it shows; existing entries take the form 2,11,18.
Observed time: 6,33,34
